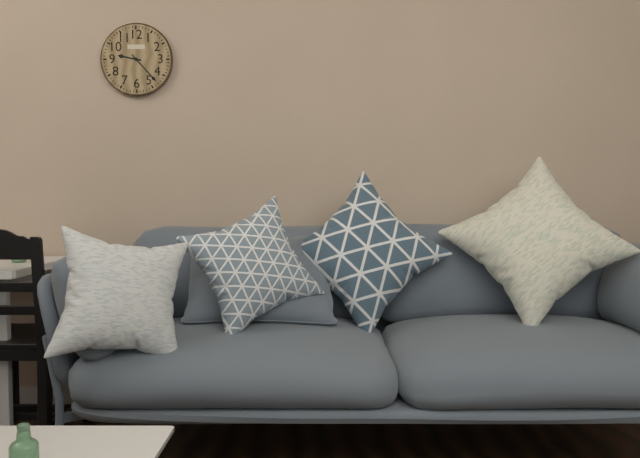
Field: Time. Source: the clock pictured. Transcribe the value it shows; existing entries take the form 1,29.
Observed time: 9,23
